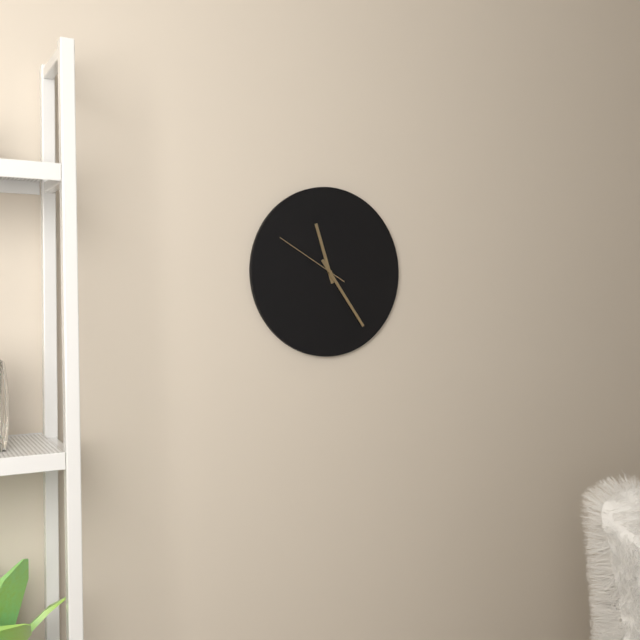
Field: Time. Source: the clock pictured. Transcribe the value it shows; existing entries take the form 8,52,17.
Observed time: 11,24,50
